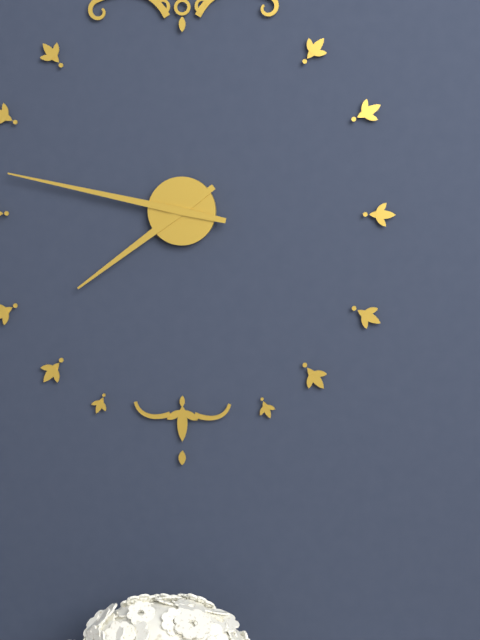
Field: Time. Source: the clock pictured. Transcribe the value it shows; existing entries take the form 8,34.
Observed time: 7,47
